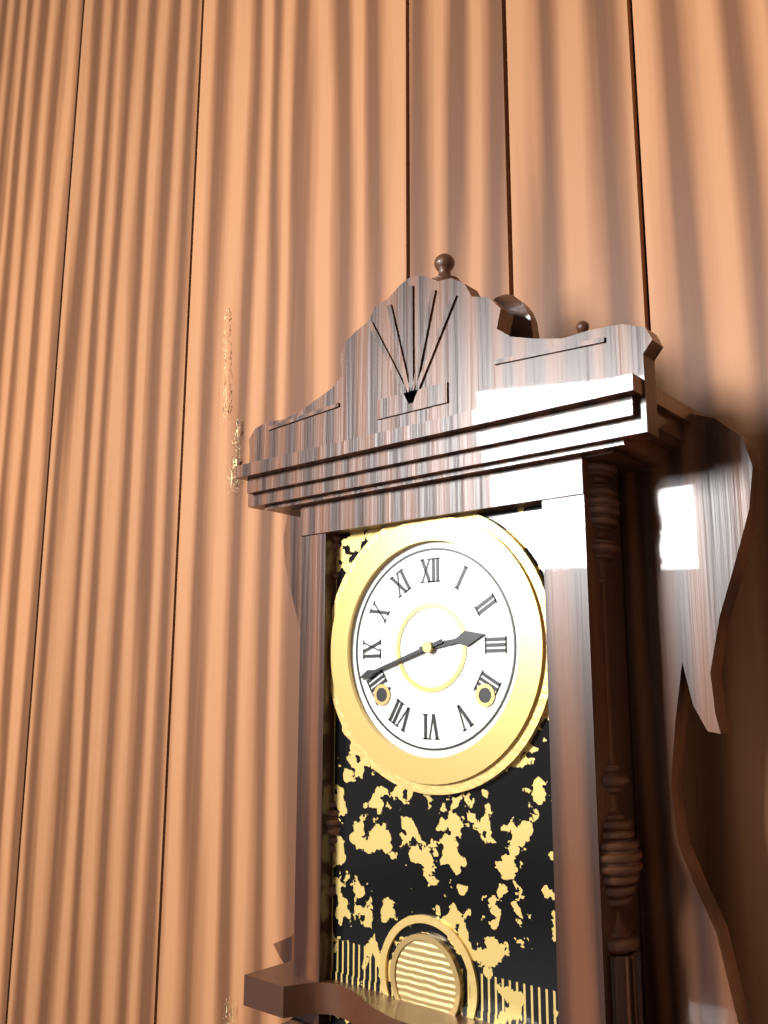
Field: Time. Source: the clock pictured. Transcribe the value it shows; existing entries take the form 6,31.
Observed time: 2,42
